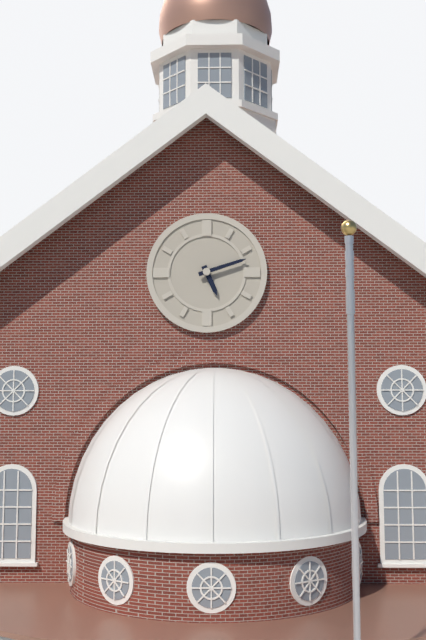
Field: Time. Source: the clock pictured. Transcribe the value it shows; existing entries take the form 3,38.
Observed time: 5,12
